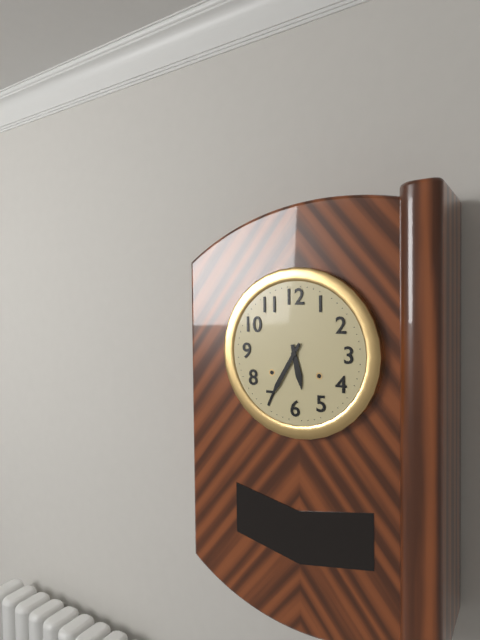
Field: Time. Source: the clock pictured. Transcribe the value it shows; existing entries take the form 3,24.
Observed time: 5,35
